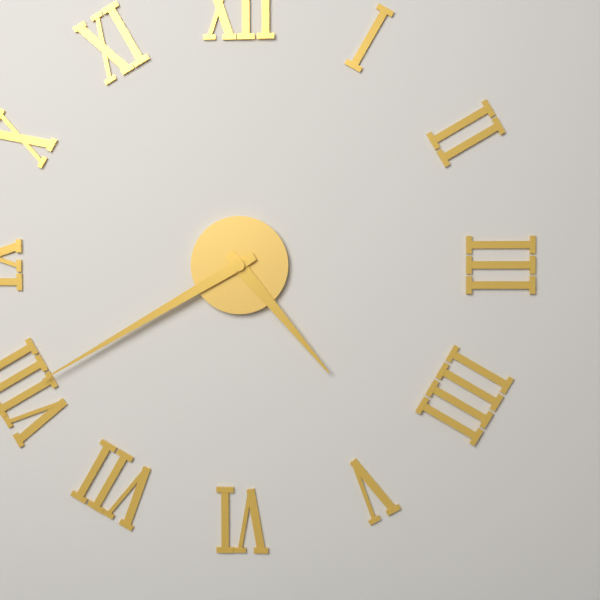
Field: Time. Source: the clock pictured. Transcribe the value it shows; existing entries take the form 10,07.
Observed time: 4,40
